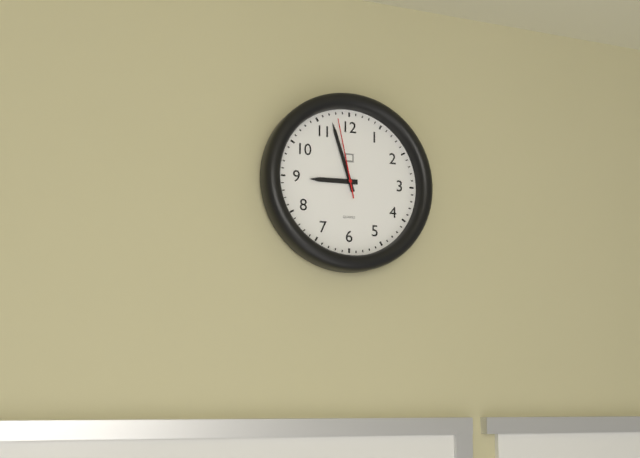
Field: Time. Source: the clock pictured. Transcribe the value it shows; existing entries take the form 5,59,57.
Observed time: 8,57,58
